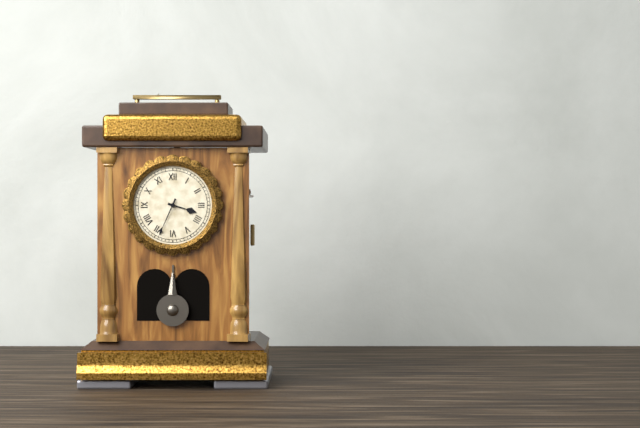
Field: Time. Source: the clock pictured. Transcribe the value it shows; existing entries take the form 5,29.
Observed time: 3,34
